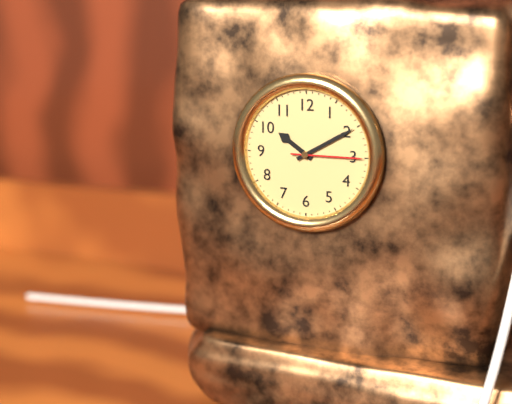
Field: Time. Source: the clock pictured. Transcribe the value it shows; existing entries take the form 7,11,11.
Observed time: 10,10,15
